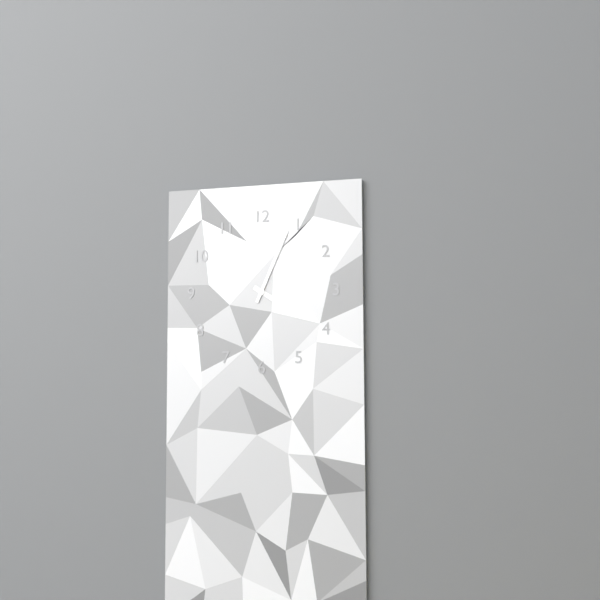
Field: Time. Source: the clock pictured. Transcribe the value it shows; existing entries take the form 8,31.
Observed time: 4,04
